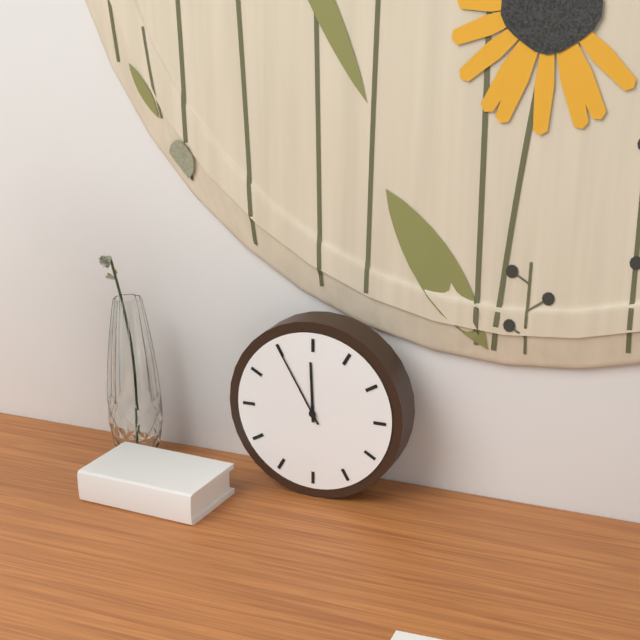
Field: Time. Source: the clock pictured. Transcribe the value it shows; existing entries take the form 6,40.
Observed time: 11,55
